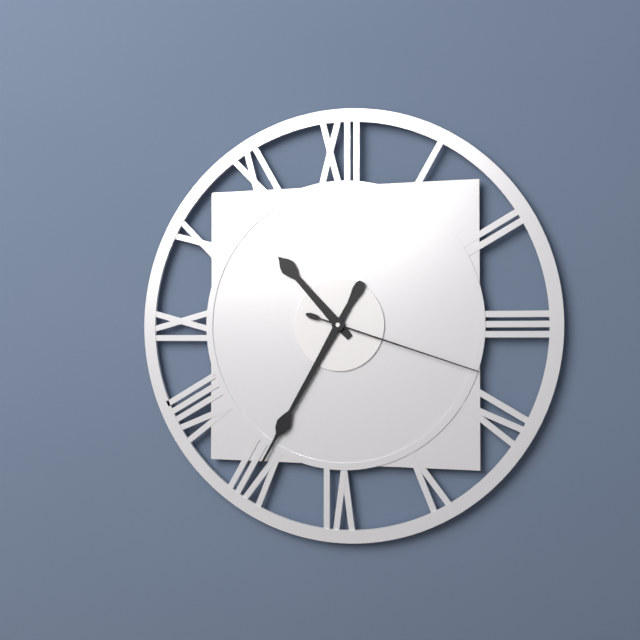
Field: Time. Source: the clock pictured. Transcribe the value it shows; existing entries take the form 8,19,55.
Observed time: 10,35,18
